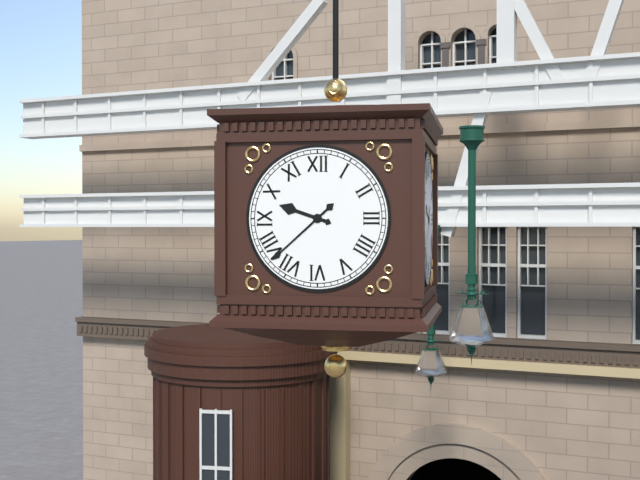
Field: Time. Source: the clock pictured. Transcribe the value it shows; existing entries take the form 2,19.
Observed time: 9,38
